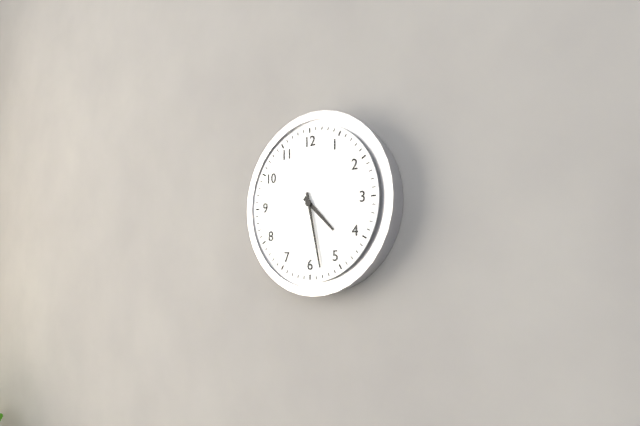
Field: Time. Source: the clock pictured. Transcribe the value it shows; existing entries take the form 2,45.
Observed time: 4,28
